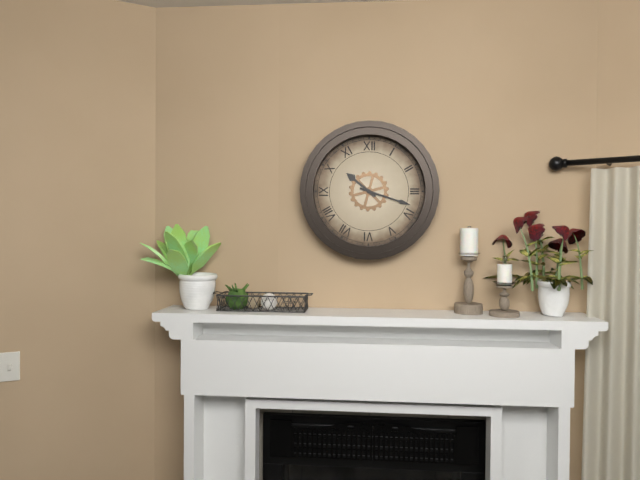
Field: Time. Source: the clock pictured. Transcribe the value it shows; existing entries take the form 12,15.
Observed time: 10,18
